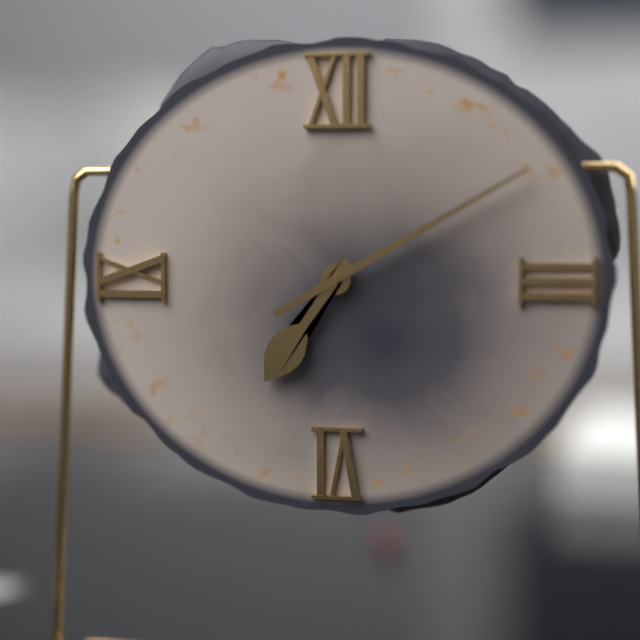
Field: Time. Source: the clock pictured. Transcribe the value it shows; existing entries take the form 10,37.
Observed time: 7,10
